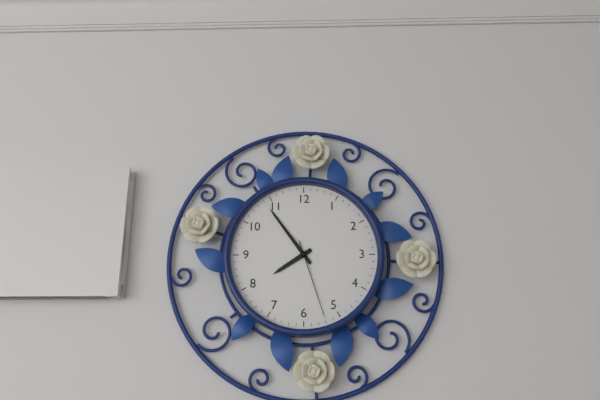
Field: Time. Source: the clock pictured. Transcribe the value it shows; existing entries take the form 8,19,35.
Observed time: 7,54,27
